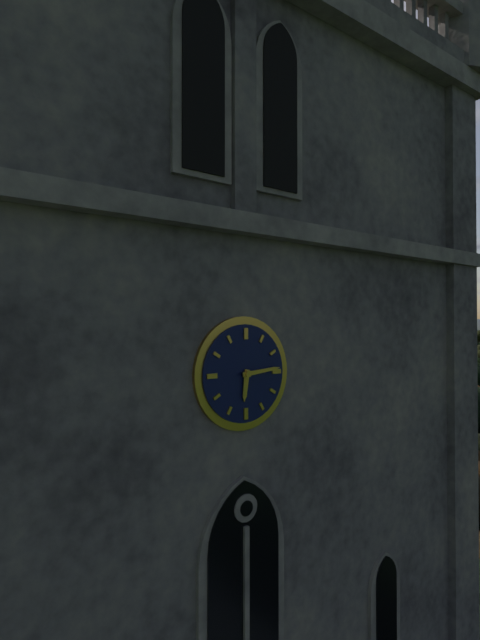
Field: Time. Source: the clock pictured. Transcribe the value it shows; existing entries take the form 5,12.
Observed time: 6,14
